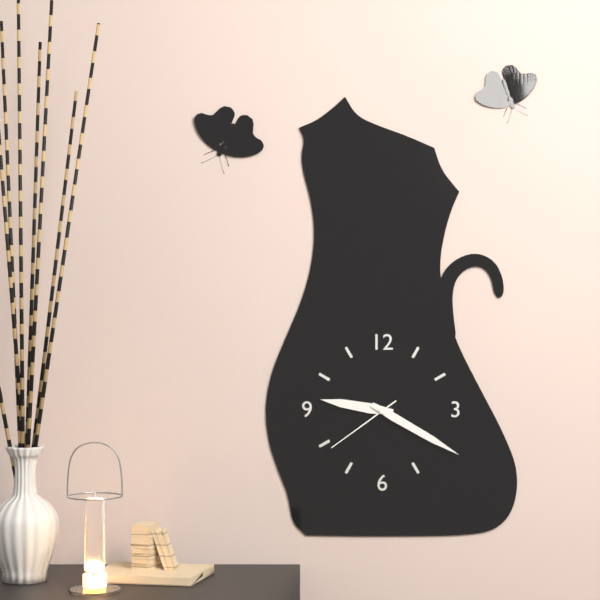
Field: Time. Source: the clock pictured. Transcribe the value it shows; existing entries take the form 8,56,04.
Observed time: 9,20,39
